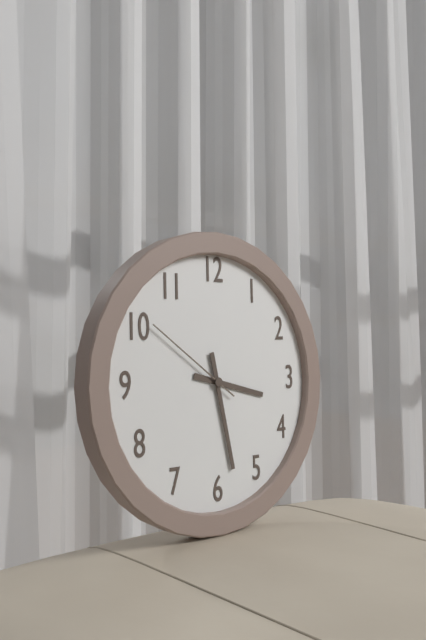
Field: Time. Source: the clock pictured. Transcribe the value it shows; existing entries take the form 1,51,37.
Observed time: 3,28,51
